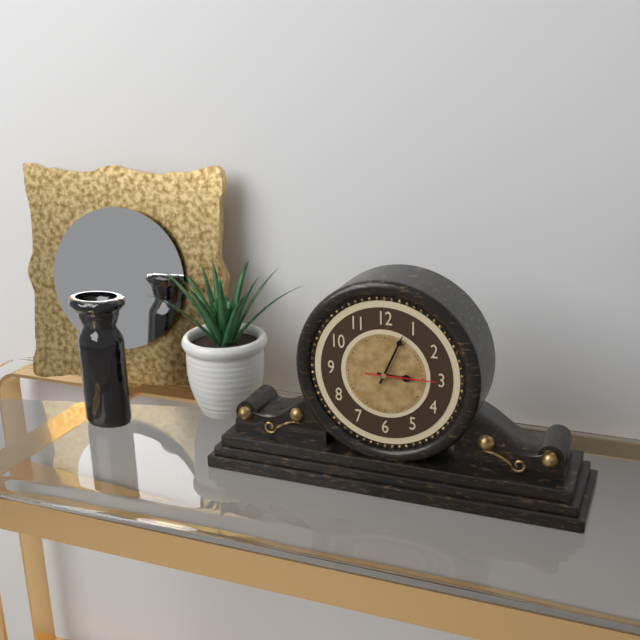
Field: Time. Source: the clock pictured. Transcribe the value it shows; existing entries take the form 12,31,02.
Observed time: 3,04,15
